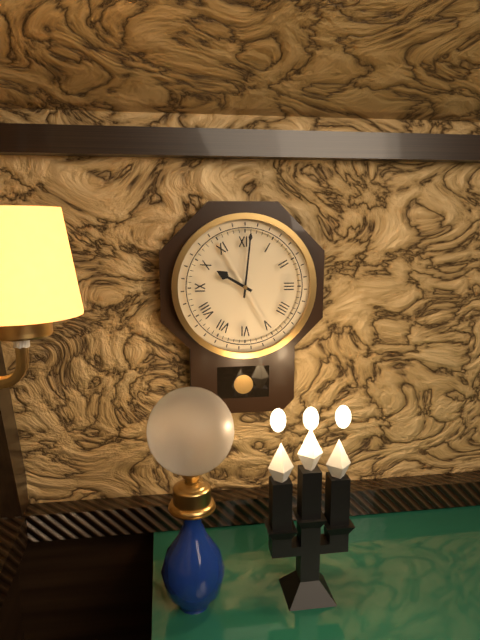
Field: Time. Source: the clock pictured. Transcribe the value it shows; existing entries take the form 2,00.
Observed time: 10,01
